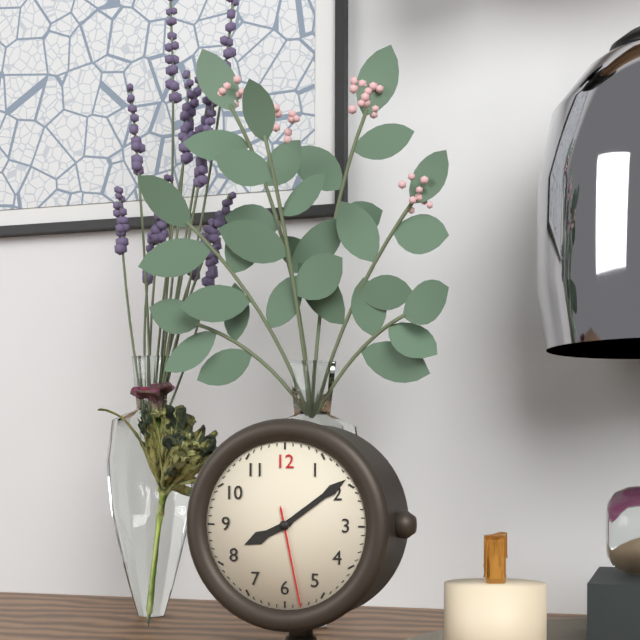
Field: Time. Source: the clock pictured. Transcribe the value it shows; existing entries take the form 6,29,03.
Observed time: 8,09,28
